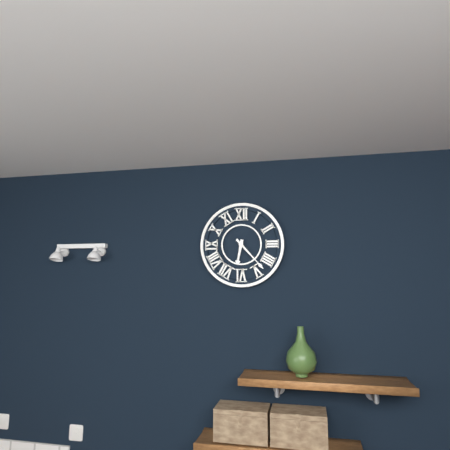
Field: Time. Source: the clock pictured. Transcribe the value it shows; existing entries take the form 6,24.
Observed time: 6,23
